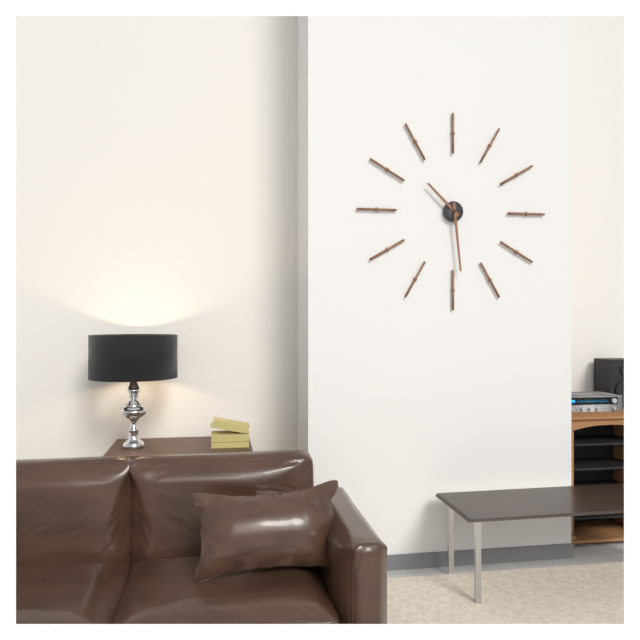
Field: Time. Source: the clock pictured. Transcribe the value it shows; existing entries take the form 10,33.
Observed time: 10,29
